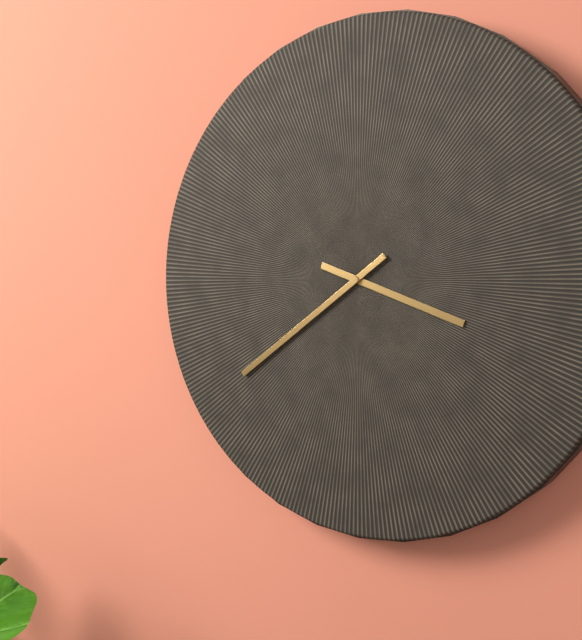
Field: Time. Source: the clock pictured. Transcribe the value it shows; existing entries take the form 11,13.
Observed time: 3,39
